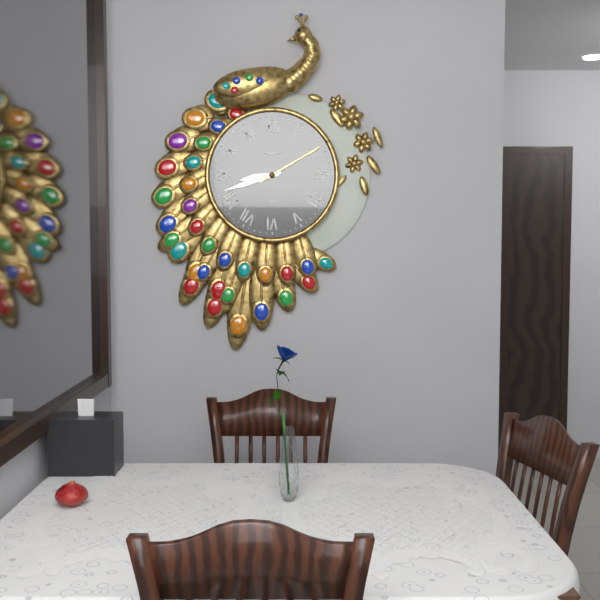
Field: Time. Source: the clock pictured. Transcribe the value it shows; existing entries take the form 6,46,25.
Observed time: 8,42,10
